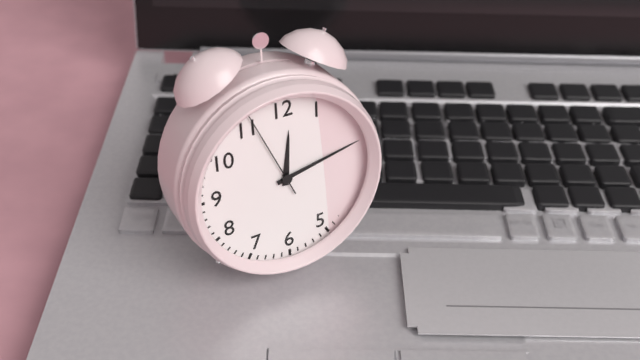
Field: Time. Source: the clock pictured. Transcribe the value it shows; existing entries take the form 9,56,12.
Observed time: 12,13,56
